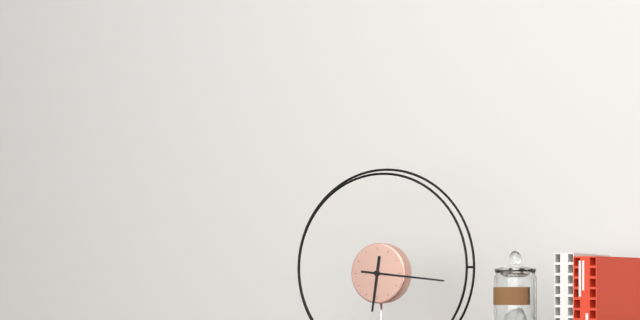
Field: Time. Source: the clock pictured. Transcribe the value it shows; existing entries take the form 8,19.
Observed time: 6,16
